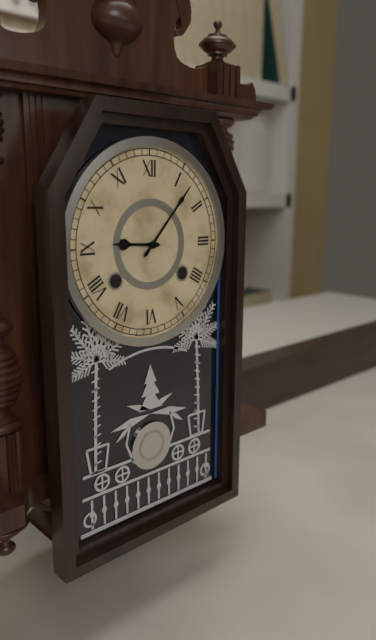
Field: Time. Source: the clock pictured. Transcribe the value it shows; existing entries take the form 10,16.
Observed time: 9,07
